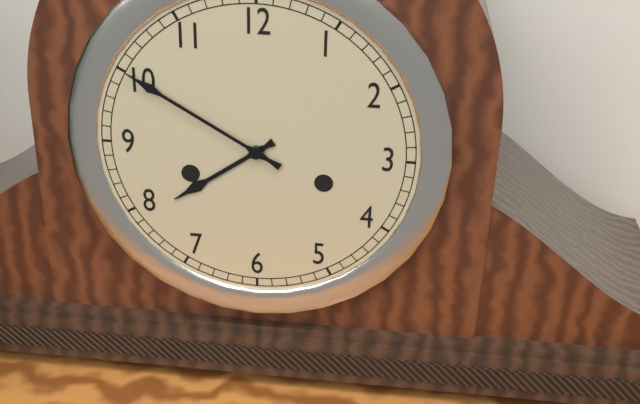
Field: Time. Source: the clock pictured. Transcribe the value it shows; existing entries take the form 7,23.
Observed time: 7,50
